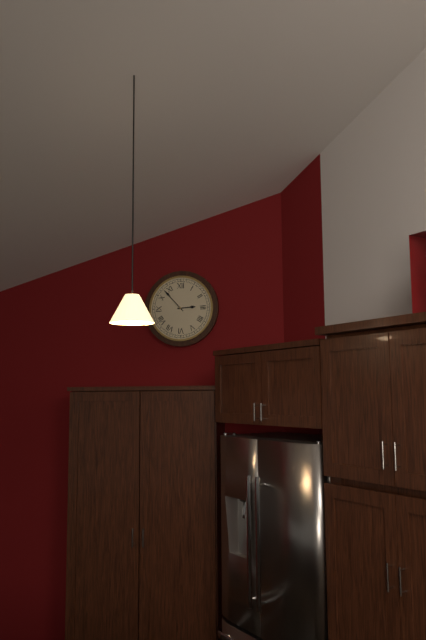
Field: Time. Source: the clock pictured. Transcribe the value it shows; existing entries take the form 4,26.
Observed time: 2,53
